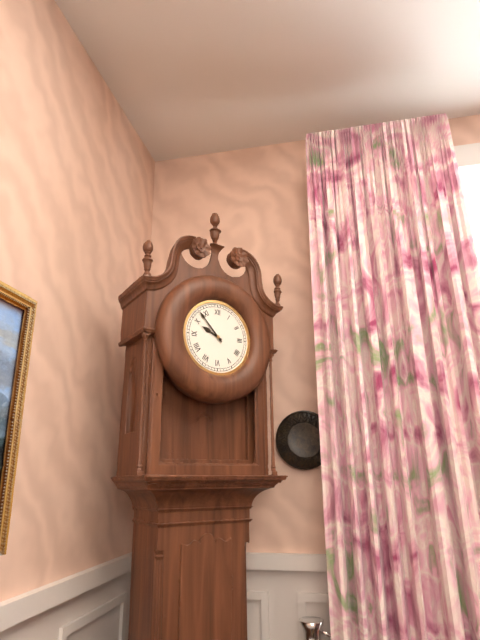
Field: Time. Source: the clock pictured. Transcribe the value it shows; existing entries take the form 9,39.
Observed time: 9,53
